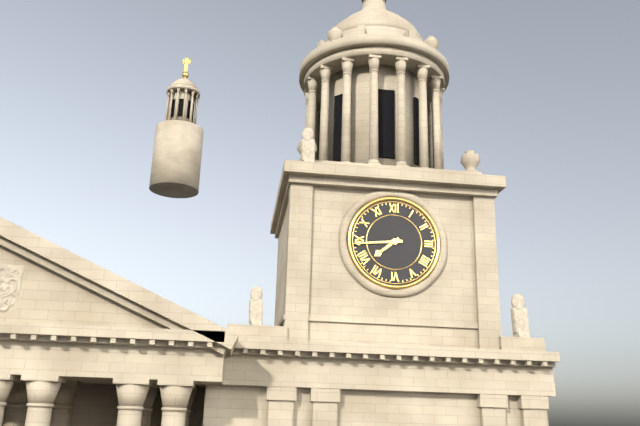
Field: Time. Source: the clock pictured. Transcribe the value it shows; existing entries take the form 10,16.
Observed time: 7,44
